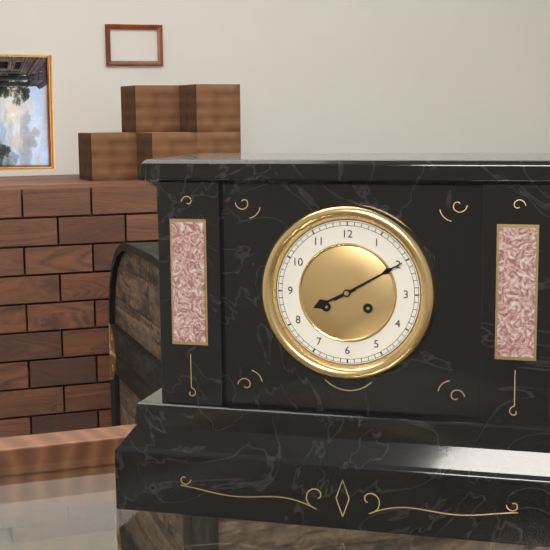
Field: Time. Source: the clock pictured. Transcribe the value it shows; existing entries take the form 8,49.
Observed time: 8,10
